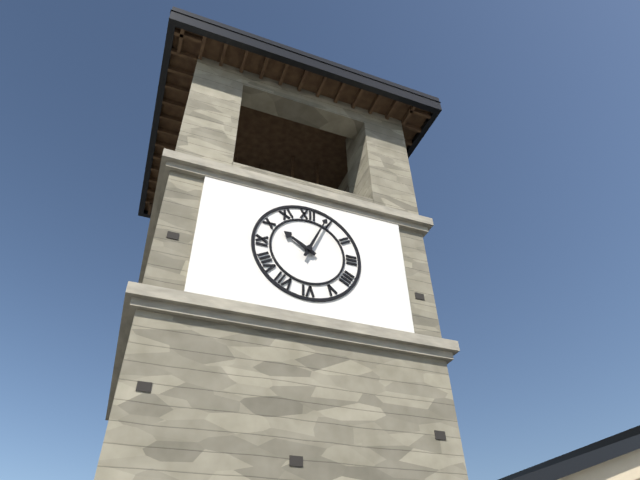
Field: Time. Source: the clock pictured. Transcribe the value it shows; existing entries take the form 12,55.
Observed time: 10,04
